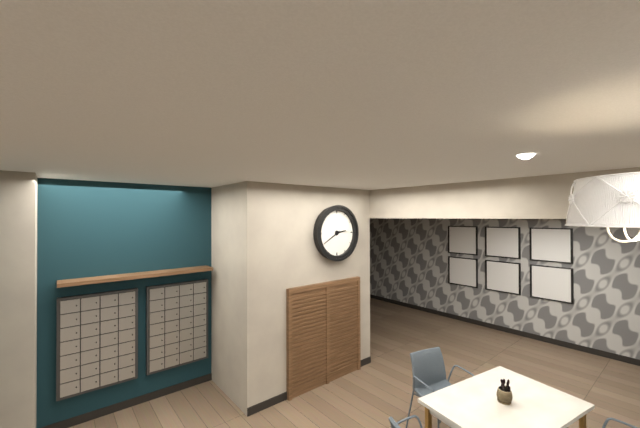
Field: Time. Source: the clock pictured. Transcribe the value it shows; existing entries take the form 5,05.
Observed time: 2,40
